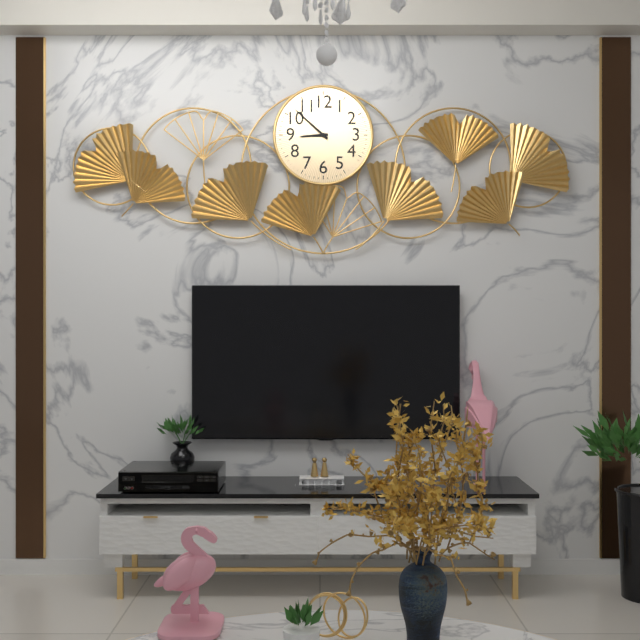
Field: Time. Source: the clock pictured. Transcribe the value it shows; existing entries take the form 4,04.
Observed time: 8,52
